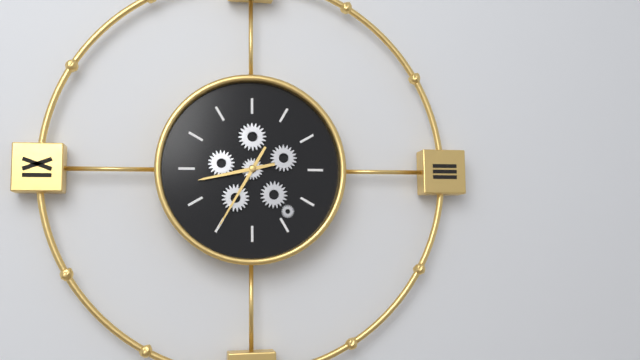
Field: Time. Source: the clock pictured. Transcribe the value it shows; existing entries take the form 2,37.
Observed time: 8,35
